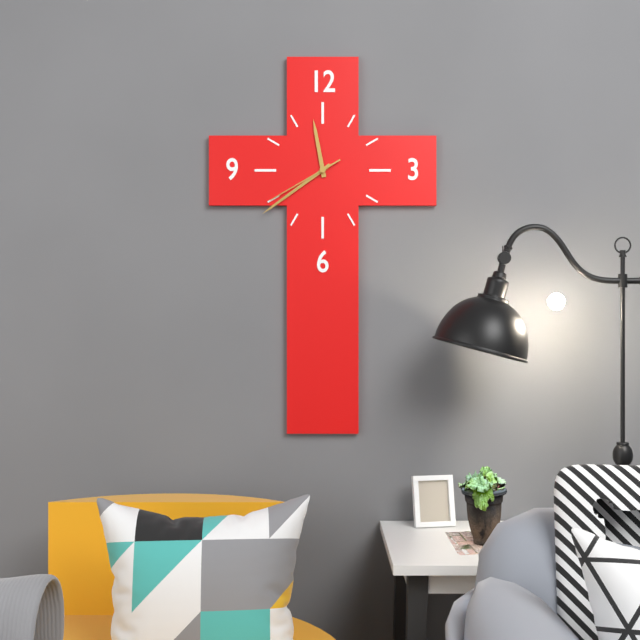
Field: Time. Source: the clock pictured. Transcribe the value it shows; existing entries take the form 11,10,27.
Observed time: 11,39,40
